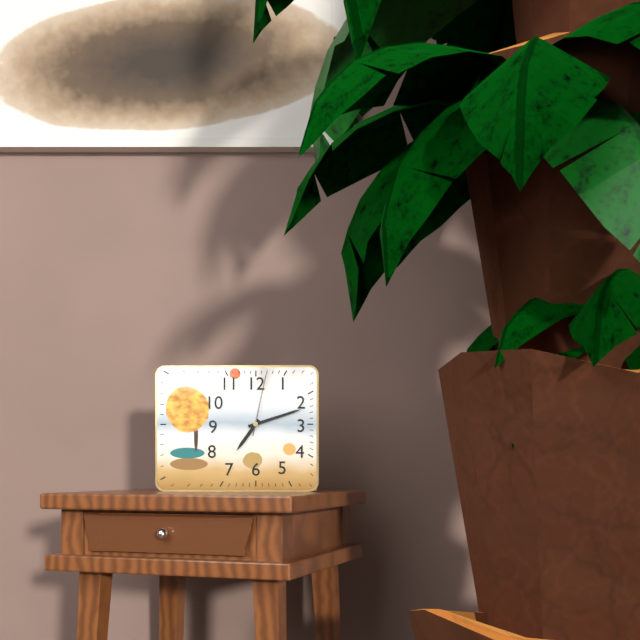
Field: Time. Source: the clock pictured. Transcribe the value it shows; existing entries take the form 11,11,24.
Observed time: 7,12,02
